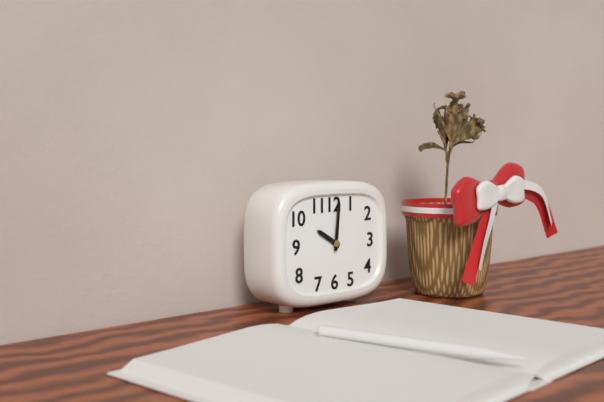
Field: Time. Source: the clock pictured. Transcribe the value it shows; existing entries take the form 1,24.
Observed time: 10,01
